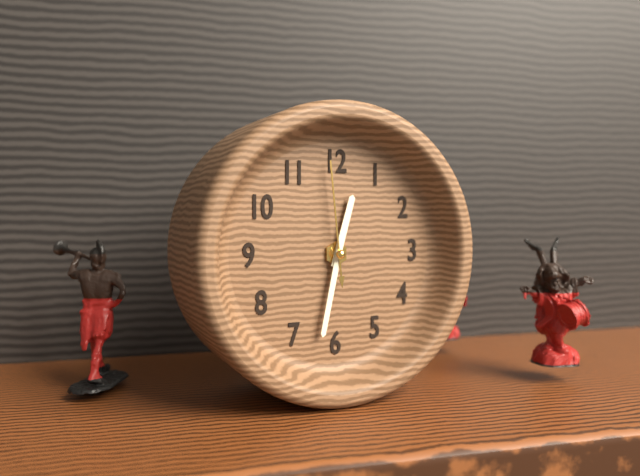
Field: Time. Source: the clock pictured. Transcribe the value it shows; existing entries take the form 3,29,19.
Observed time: 12,32,59
